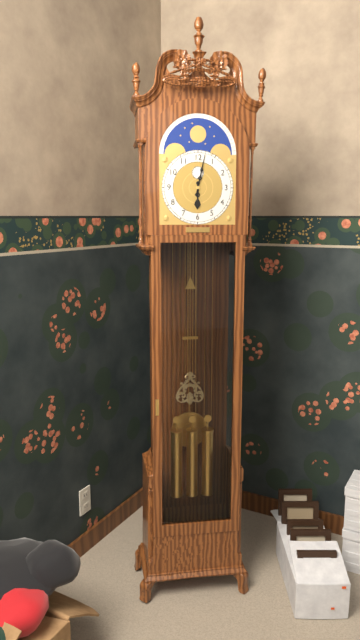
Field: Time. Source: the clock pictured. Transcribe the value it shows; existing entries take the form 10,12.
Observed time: 6,02
